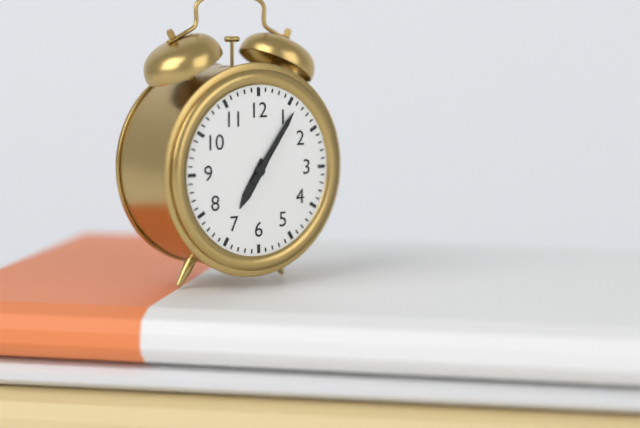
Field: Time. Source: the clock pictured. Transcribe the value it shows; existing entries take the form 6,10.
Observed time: 7,06
